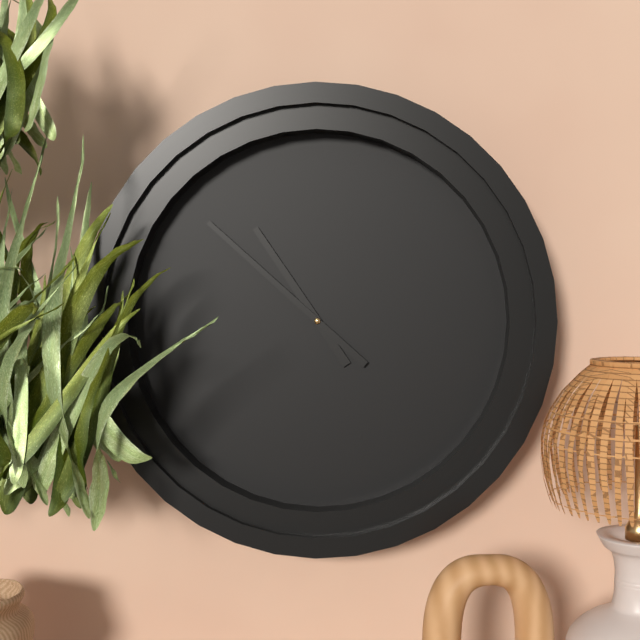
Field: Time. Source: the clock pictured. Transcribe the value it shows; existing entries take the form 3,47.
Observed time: 10,52
